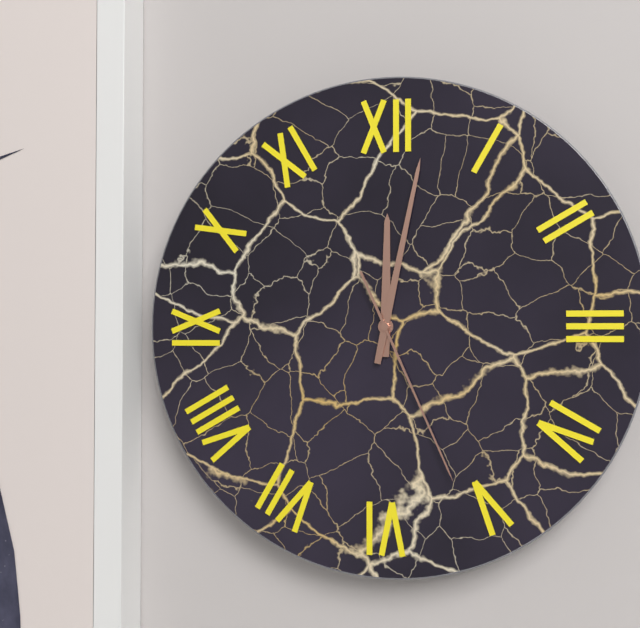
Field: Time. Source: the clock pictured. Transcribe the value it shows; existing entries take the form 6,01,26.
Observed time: 12,02,26
